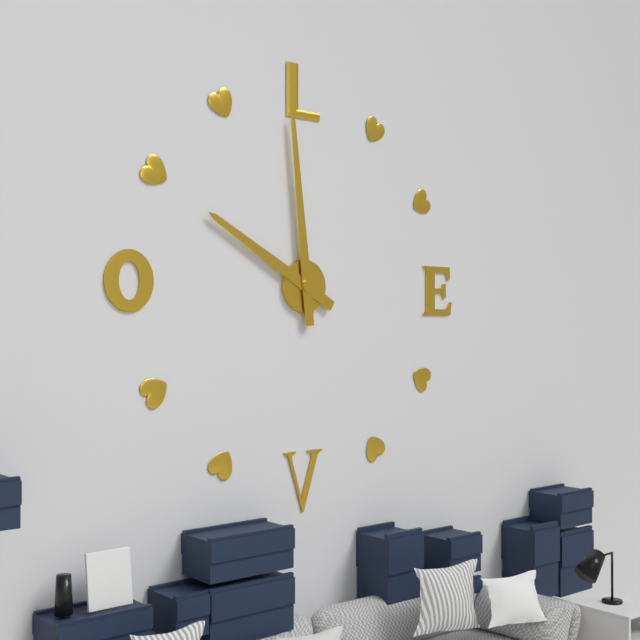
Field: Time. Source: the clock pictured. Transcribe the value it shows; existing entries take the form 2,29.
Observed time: 9,59
